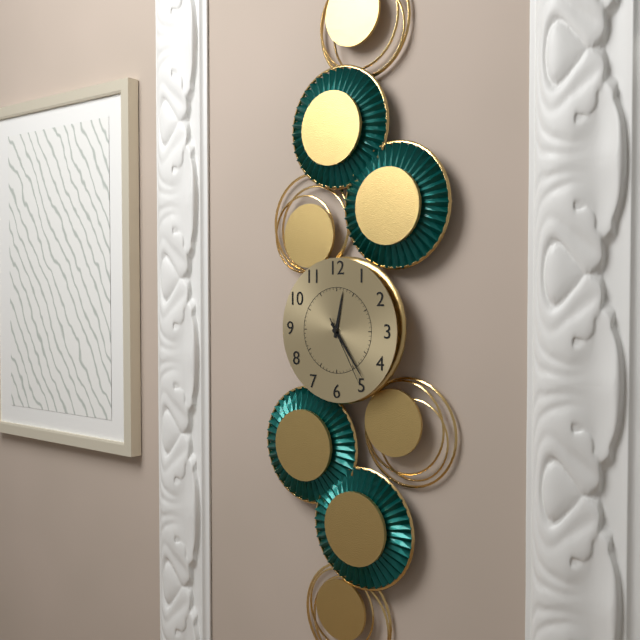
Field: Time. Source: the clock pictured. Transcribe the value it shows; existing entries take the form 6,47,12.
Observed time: 12,24,25
